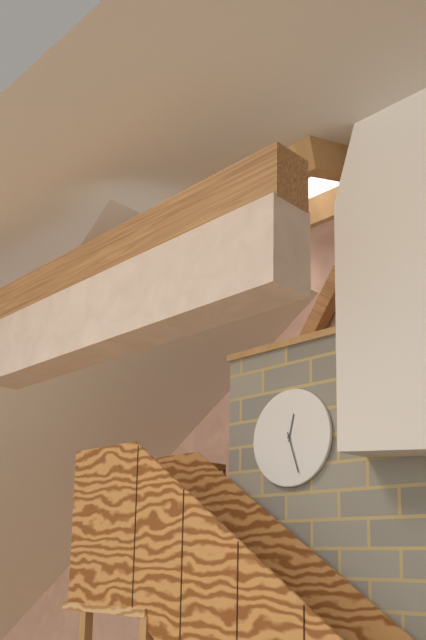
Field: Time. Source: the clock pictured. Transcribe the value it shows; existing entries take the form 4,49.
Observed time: 12,27
